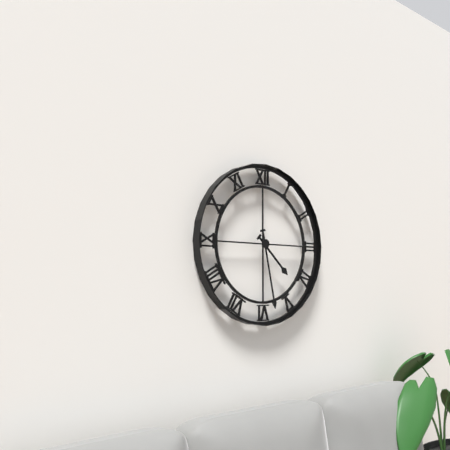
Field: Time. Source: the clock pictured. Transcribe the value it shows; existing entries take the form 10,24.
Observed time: 4,28
